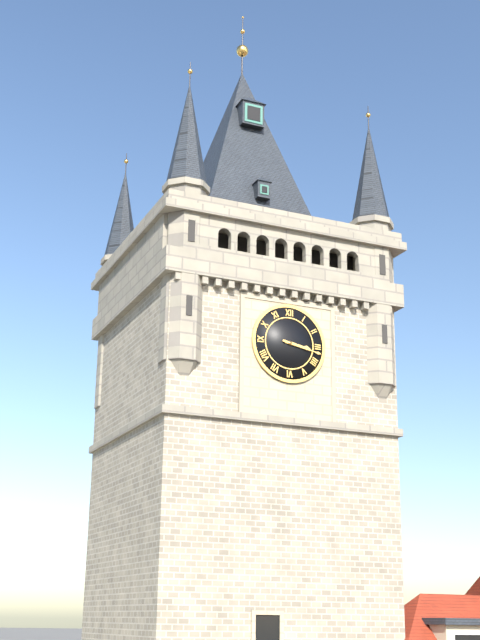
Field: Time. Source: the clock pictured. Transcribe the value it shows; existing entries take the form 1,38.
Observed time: 3,17
